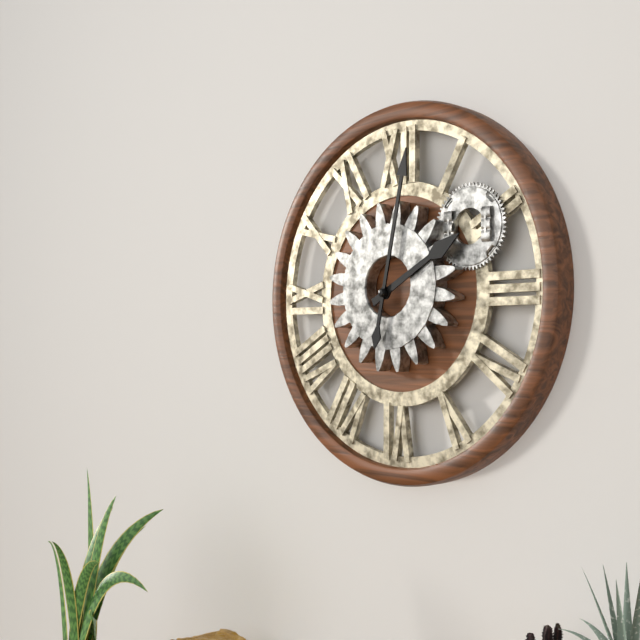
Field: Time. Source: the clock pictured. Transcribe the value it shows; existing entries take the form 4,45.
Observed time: 2,02
